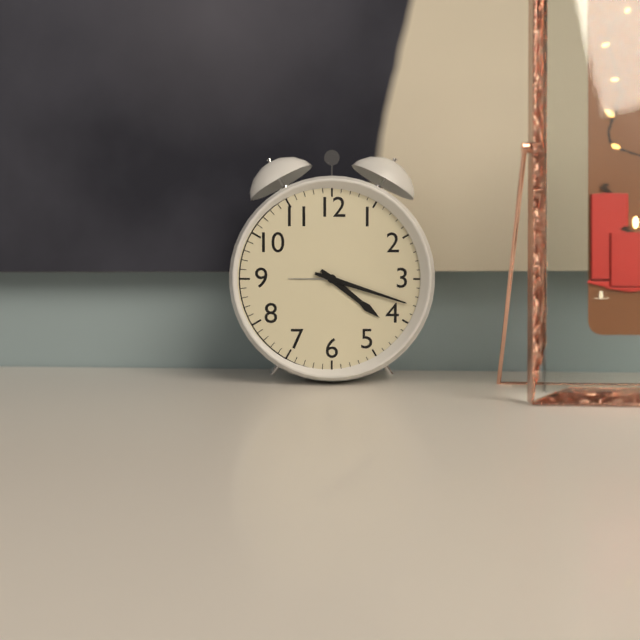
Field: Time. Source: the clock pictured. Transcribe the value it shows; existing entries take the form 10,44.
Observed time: 4,18
